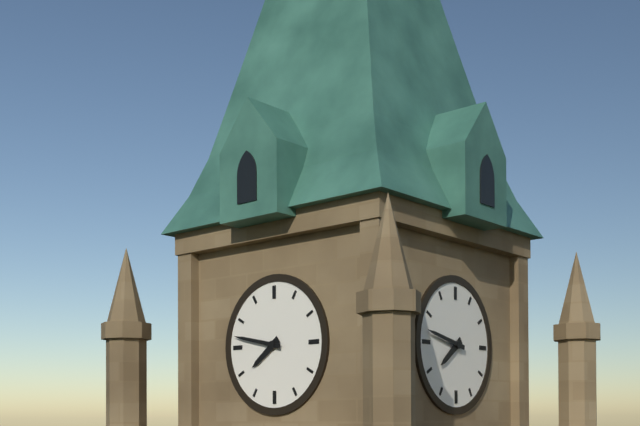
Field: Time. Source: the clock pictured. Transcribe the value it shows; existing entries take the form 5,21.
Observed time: 7,47
